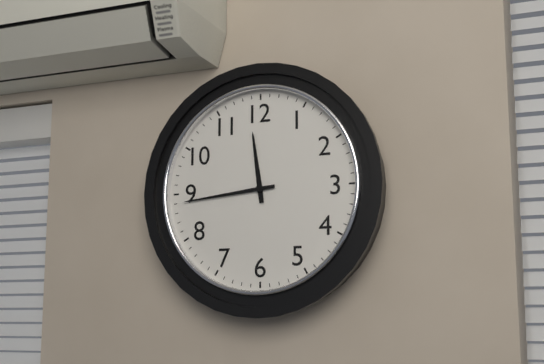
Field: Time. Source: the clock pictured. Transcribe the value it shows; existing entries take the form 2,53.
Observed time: 11,44
